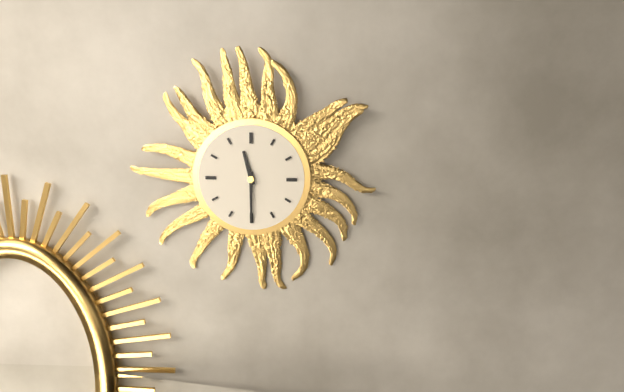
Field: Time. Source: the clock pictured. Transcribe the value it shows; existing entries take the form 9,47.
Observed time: 11,30
